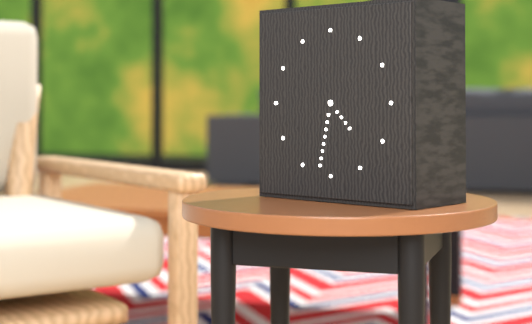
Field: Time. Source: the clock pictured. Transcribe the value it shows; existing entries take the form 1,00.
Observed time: 4,32
